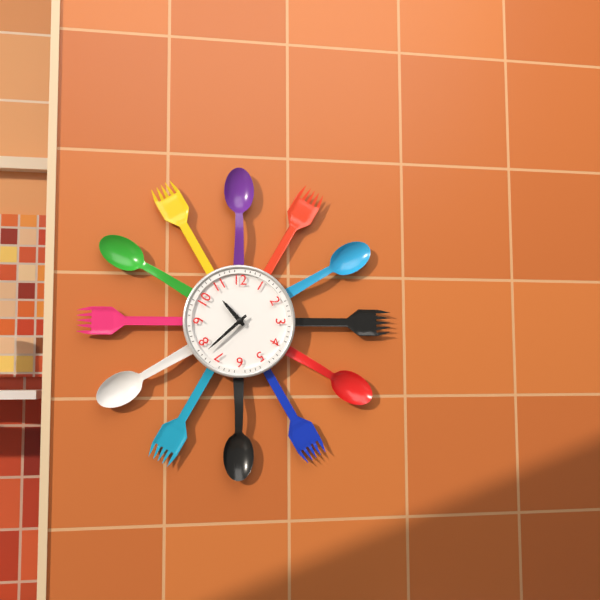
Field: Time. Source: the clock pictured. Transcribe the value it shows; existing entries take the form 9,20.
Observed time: 10,38
